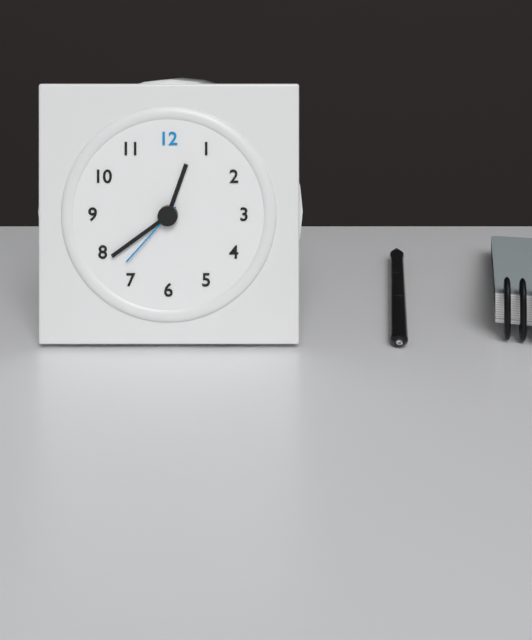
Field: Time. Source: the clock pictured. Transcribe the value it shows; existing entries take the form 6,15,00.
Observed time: 12,39,37
